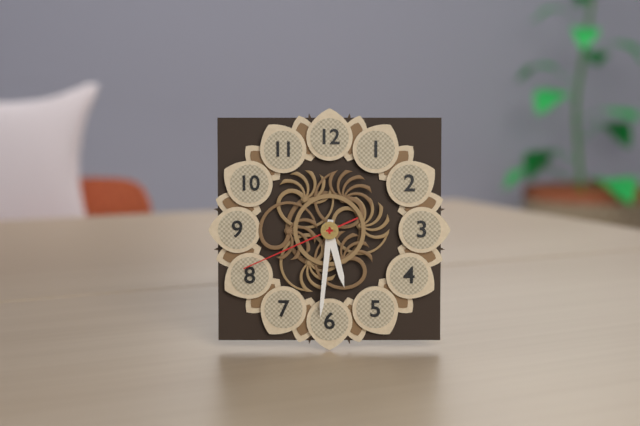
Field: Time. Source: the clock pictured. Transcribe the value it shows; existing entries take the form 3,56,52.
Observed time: 5,31,41
